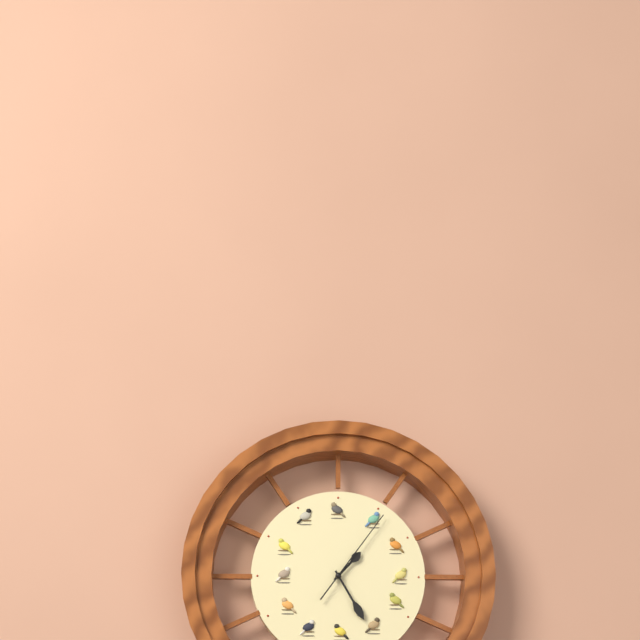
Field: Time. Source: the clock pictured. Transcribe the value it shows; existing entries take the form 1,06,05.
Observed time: 1,25,06
